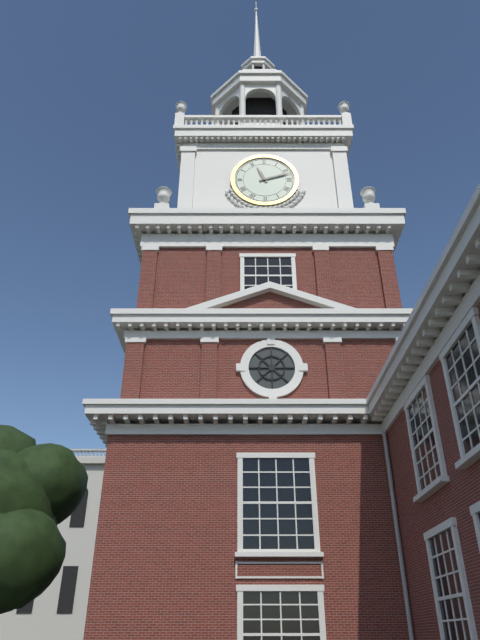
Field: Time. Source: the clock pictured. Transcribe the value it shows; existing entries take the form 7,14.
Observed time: 11,12
